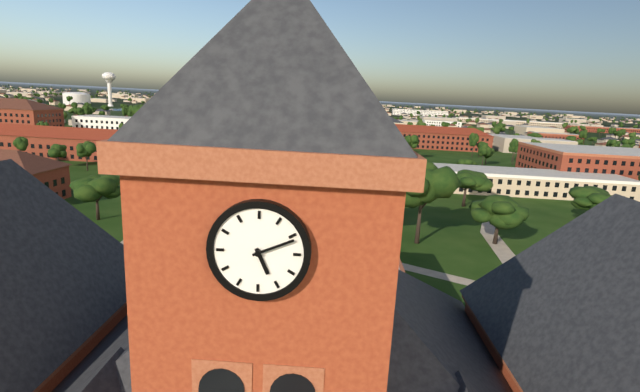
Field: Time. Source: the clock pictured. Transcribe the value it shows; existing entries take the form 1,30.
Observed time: 5,11
